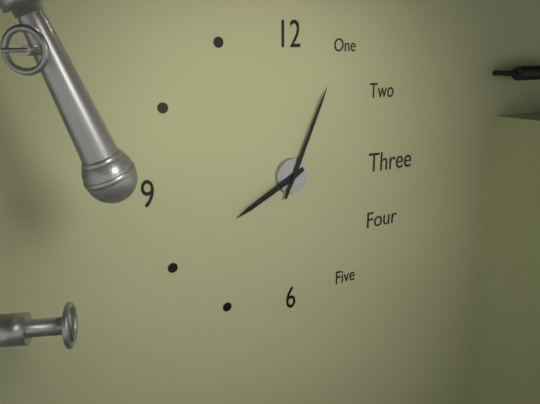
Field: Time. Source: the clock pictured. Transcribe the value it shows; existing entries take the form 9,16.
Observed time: 8,04
